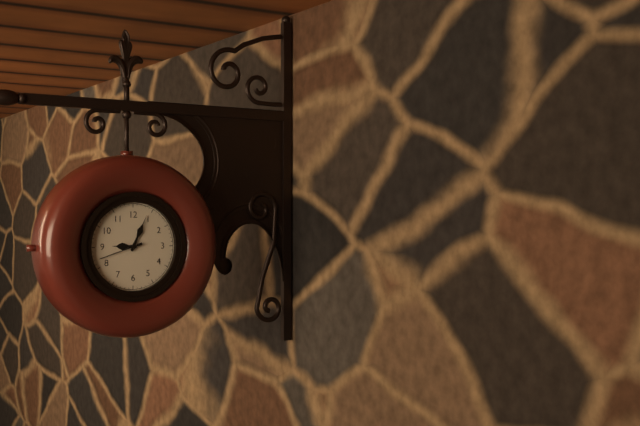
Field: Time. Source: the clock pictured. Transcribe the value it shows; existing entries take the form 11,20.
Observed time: 9,04
